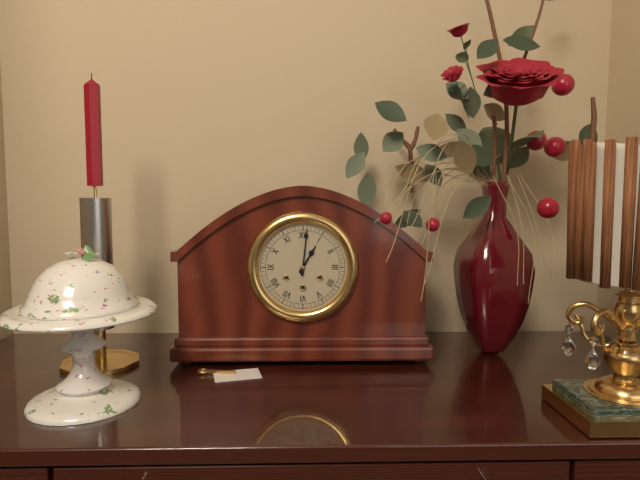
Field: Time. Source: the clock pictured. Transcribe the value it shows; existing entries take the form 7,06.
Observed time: 1,01
